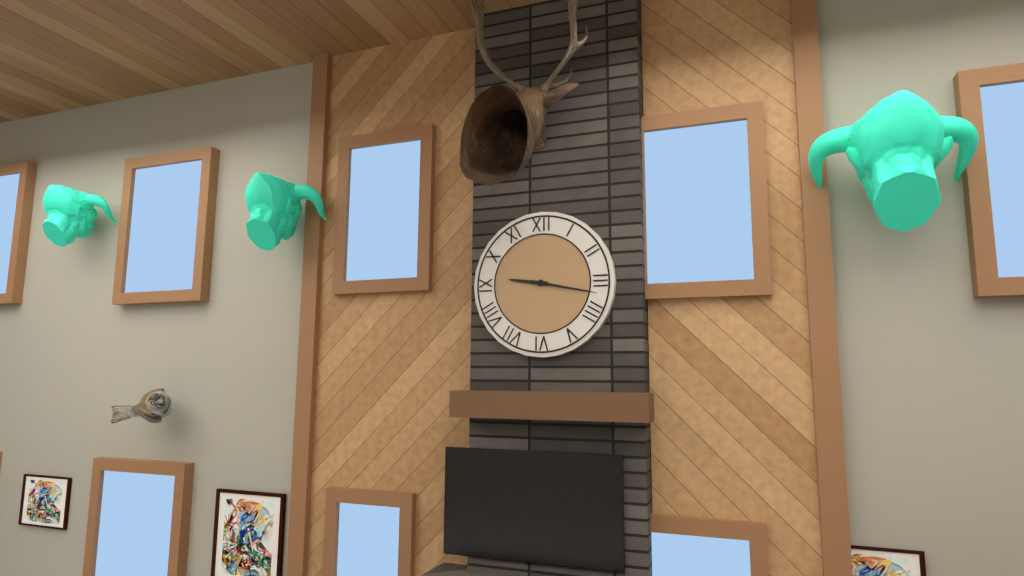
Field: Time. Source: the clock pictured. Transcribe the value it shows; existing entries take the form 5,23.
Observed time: 9,17
